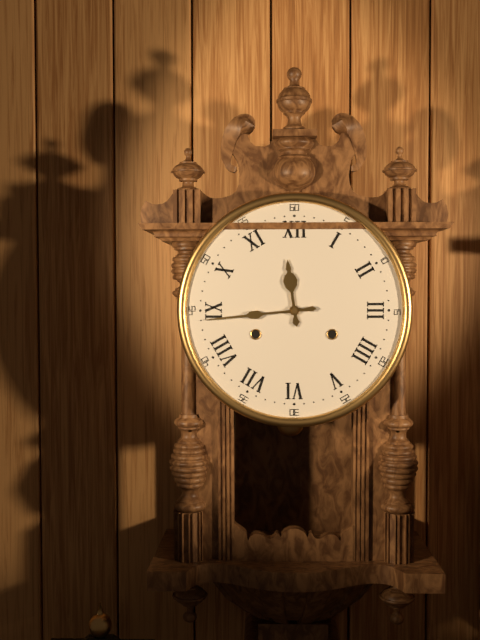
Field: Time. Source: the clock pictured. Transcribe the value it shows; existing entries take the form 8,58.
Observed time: 11,44
